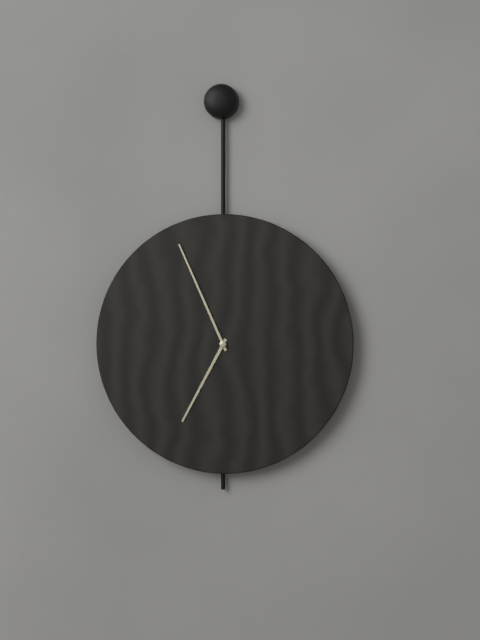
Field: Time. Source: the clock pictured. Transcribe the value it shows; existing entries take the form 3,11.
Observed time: 6,56
